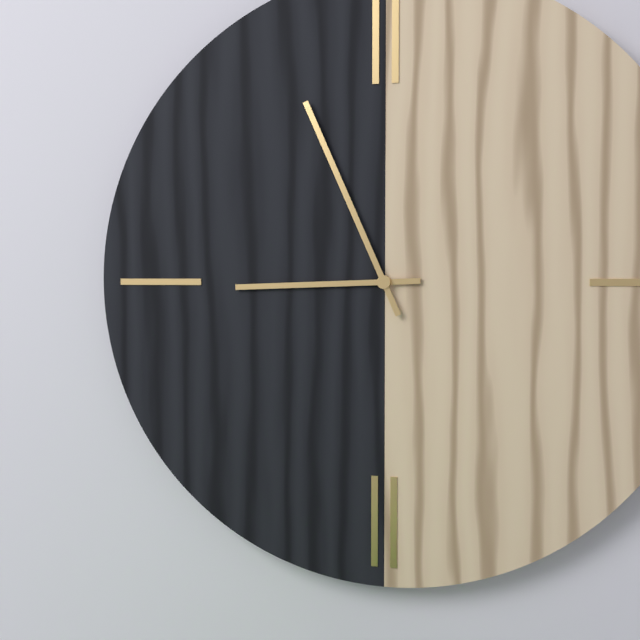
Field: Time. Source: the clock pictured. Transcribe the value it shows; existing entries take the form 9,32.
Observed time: 8,56
